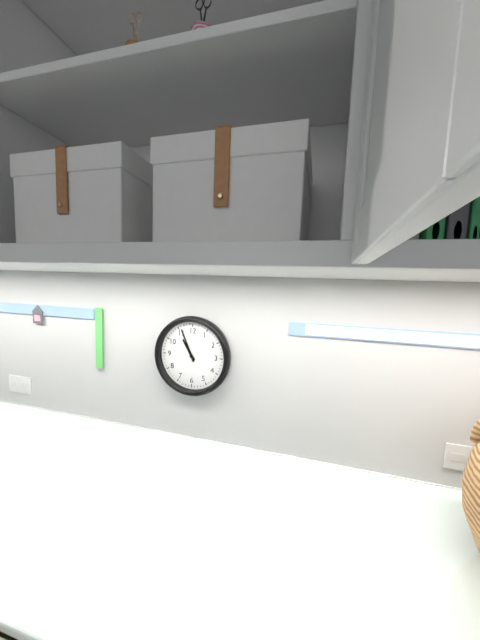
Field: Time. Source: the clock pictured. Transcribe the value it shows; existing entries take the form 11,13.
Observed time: 10,56
